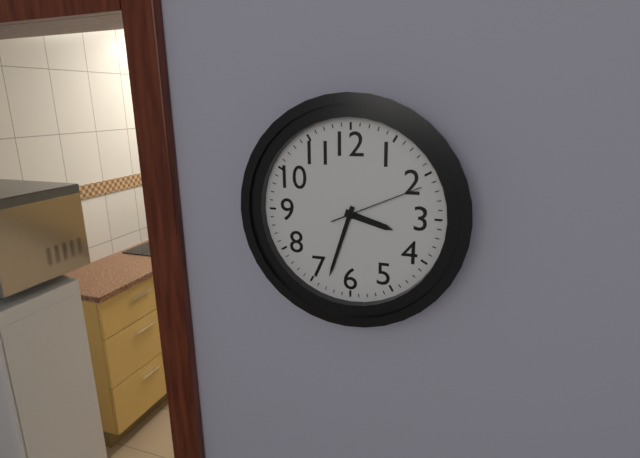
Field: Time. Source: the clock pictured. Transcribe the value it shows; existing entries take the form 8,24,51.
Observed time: 3,33,11
